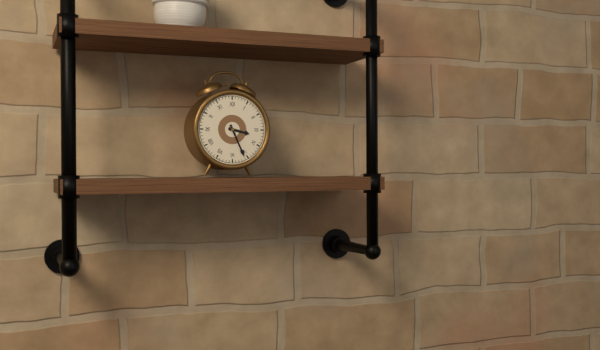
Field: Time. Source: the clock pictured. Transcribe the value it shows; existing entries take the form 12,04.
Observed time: 3,26
